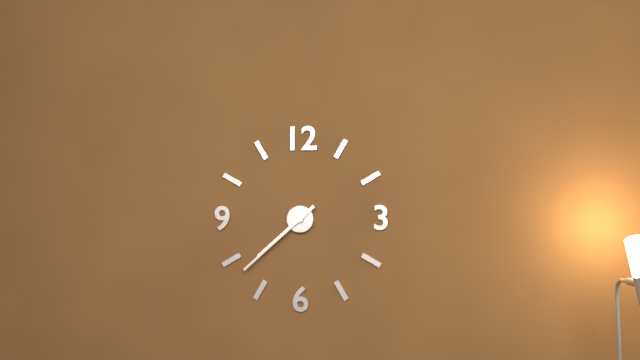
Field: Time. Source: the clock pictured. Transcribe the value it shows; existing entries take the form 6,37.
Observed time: 7,38
